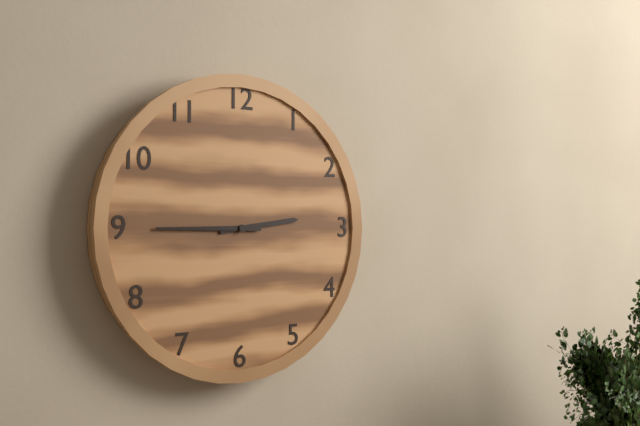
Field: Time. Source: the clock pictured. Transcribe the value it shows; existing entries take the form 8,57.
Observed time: 2,45
